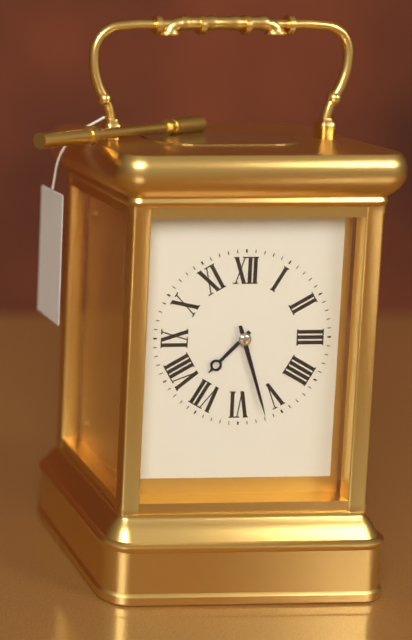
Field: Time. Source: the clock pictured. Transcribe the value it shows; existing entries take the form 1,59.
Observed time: 7,27
